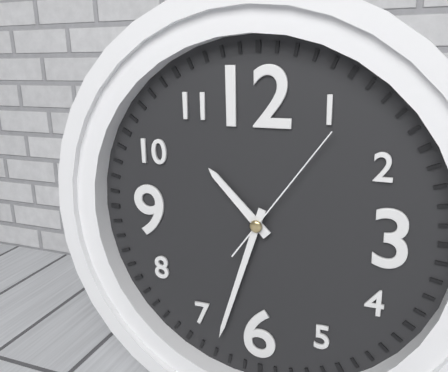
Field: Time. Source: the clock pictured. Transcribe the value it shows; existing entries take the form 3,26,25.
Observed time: 10,33,06
